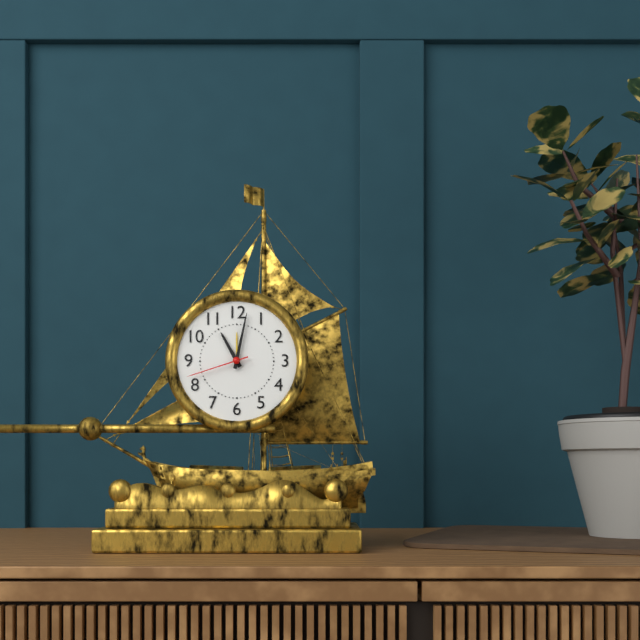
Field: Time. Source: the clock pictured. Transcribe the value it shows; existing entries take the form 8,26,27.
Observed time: 11,02,42
